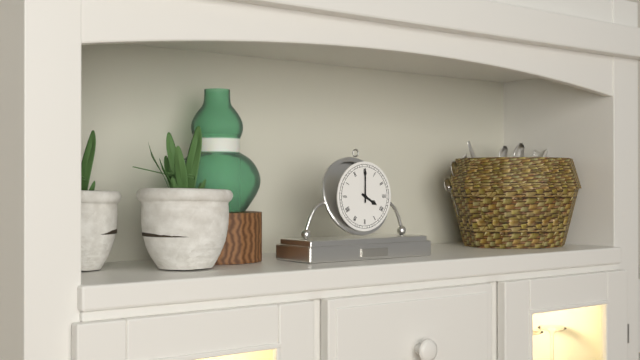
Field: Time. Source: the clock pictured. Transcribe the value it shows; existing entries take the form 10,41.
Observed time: 4,00
